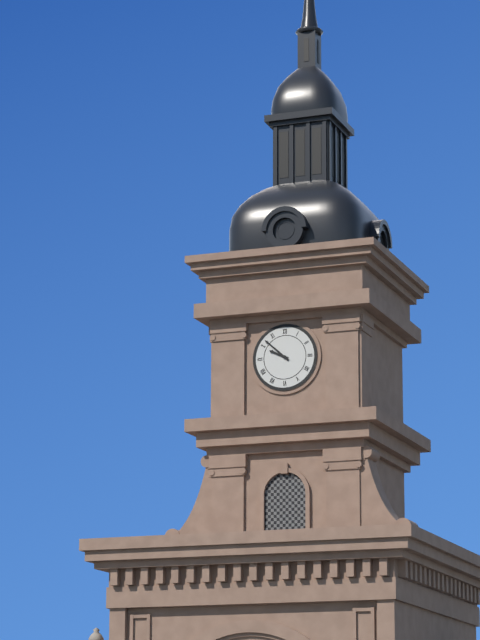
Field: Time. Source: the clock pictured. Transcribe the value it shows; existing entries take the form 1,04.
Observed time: 9,52
